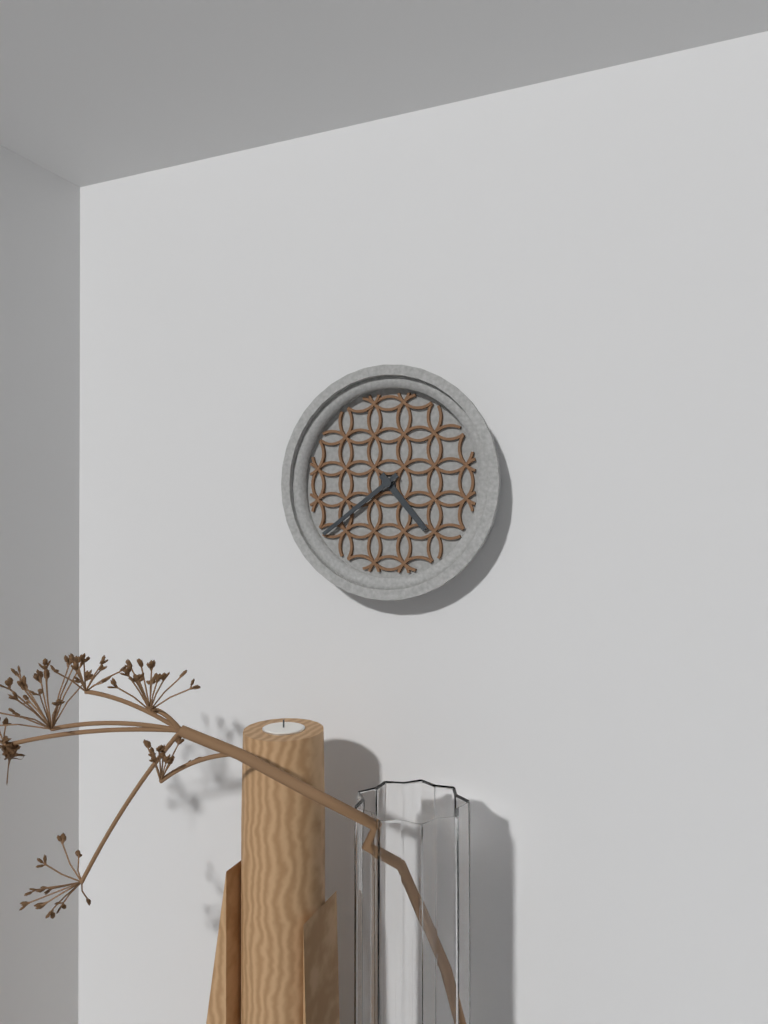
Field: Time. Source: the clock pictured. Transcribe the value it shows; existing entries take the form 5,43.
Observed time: 4,39
